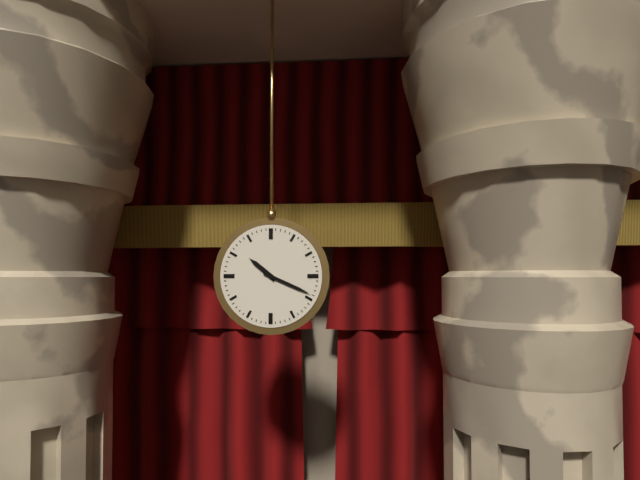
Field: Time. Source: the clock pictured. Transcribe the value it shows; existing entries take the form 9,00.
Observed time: 10,19
